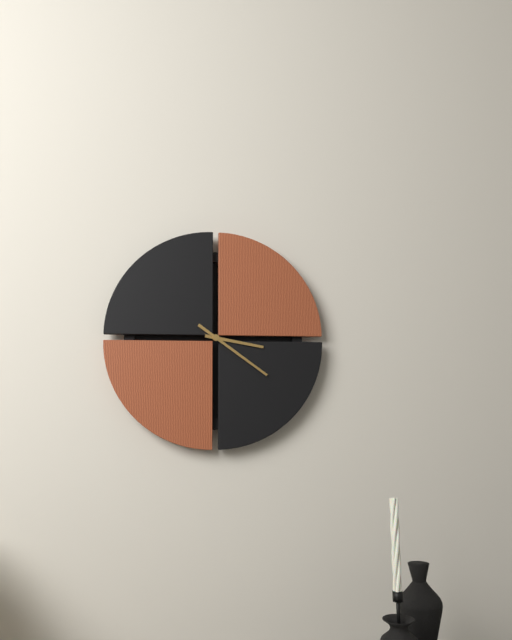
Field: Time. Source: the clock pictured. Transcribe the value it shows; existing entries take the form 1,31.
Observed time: 3,21
